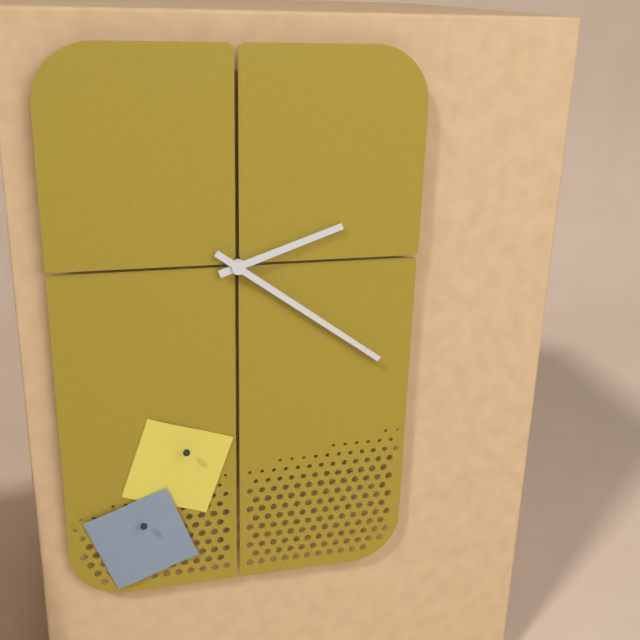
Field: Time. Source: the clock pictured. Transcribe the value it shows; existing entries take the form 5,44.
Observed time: 2,21
